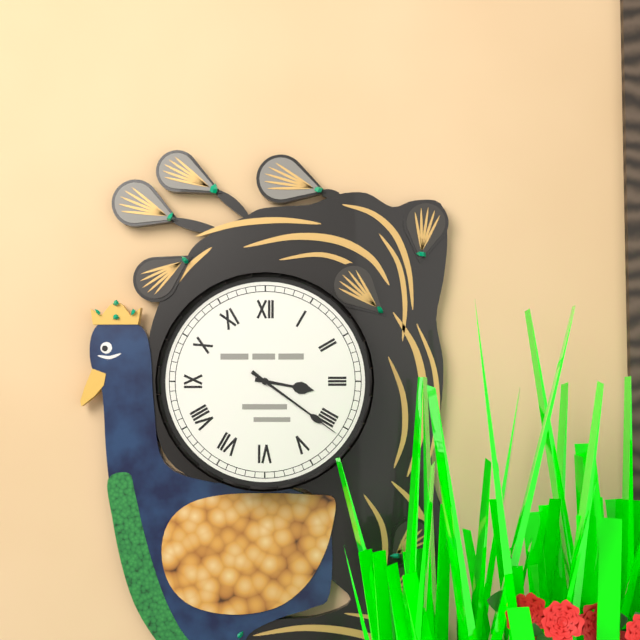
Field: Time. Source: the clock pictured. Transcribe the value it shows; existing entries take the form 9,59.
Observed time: 3,21
